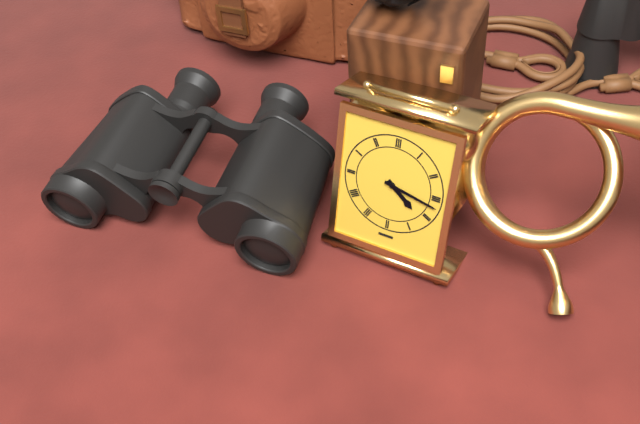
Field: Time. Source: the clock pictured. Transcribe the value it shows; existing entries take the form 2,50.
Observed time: 4,17
